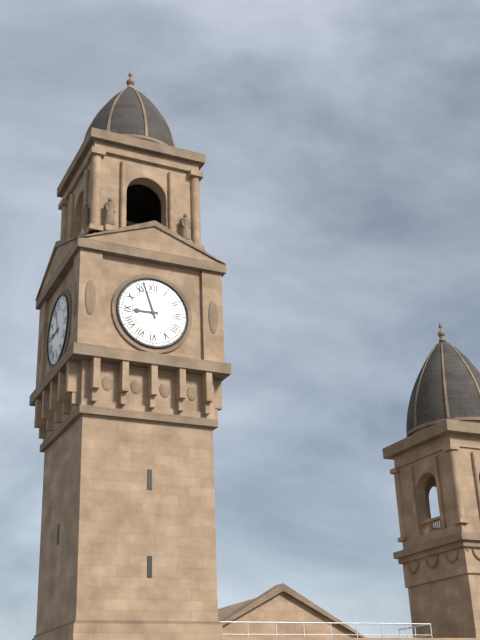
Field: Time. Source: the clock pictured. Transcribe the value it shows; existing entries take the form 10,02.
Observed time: 8,57
